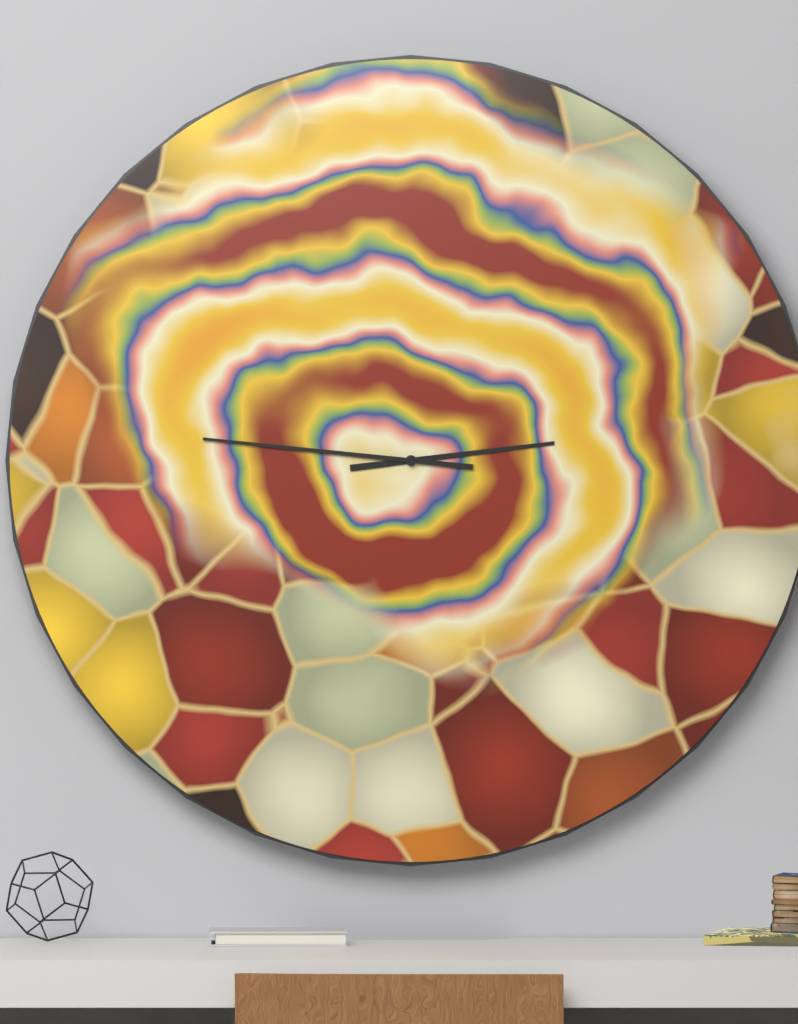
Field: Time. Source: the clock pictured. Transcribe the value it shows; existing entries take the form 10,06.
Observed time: 2,46
